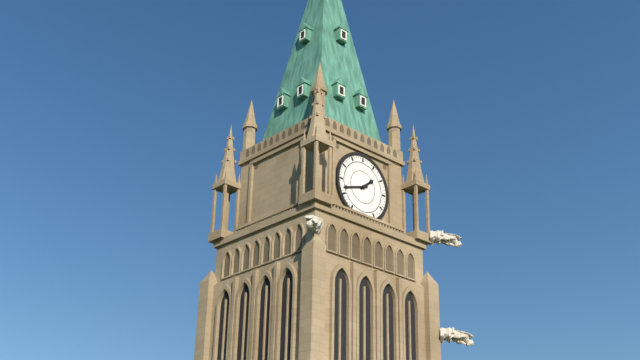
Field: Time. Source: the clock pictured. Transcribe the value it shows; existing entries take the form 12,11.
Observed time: 1,42
